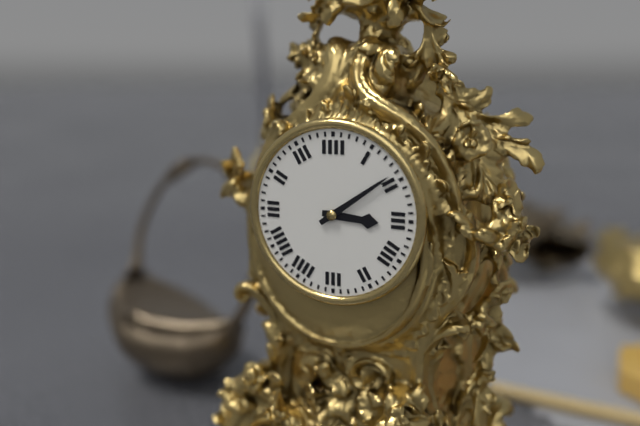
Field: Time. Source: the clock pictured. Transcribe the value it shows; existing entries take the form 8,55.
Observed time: 3,09
